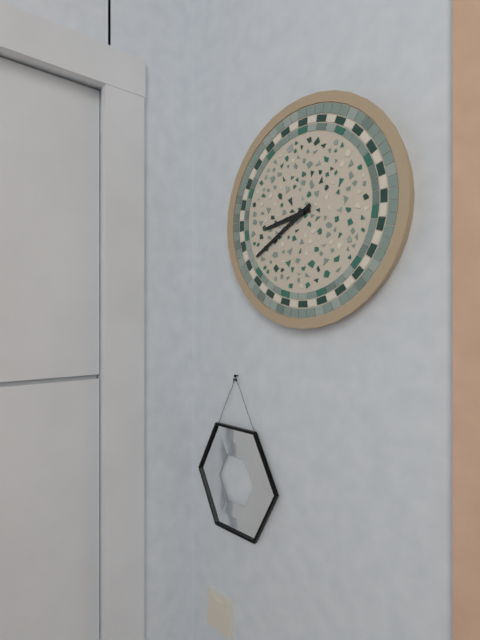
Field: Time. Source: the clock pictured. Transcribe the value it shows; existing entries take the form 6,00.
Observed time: 8,40
